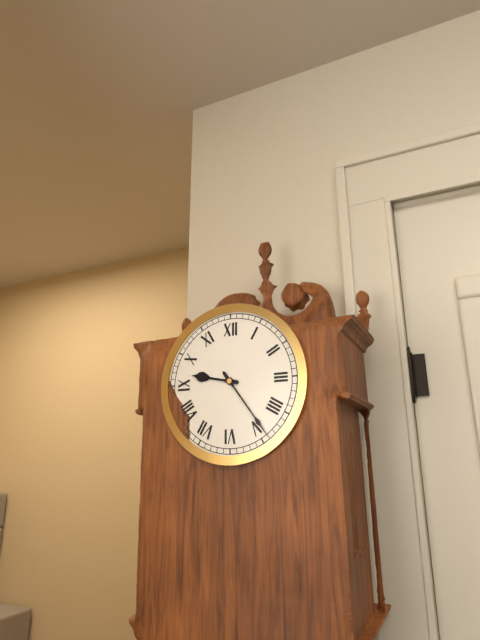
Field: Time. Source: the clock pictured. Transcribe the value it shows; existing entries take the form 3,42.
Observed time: 9,24
